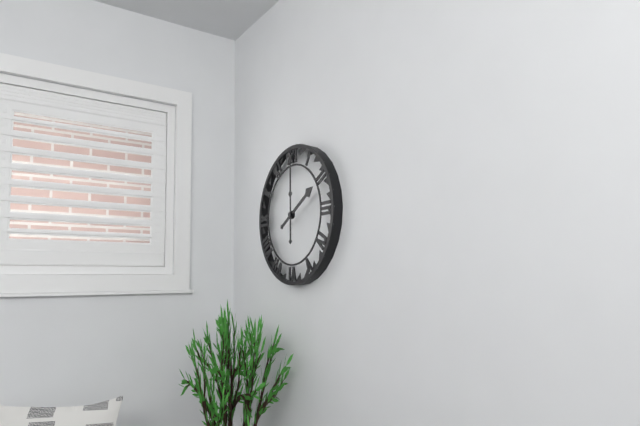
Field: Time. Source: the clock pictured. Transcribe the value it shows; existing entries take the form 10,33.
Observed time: 2,00
